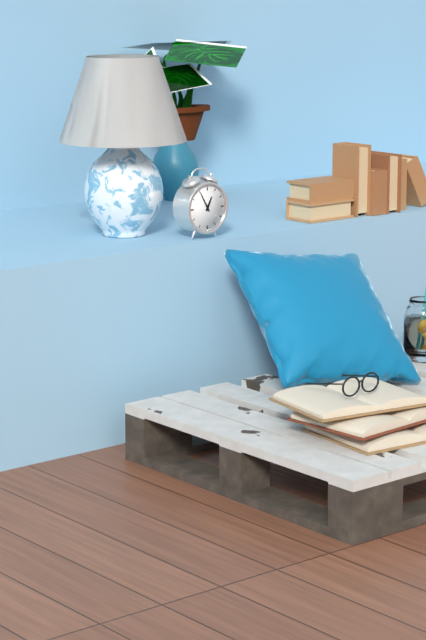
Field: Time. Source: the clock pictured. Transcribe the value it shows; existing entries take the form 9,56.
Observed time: 12,55
